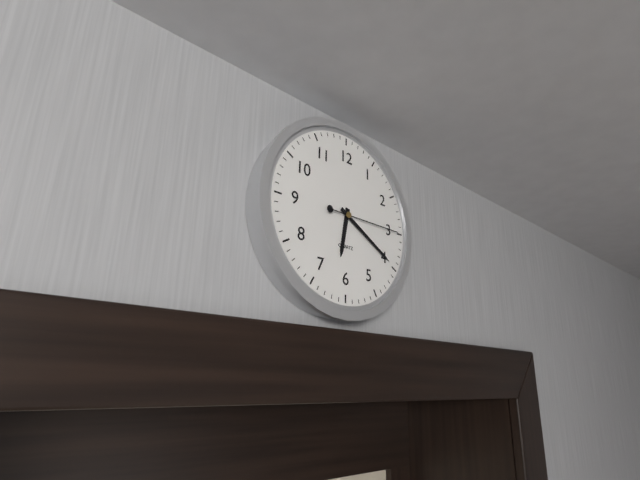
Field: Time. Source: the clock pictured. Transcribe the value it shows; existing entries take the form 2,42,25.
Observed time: 6,20,15
